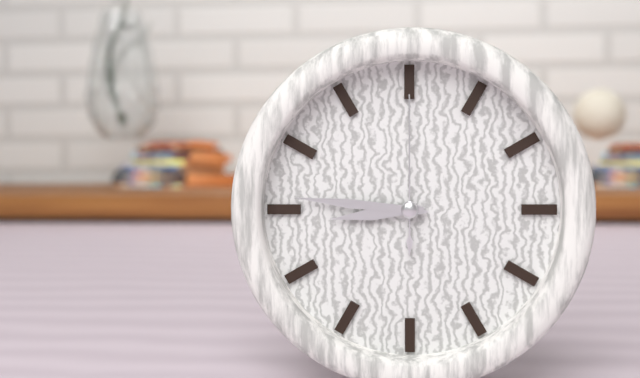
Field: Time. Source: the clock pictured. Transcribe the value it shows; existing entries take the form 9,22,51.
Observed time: 8,46,00
